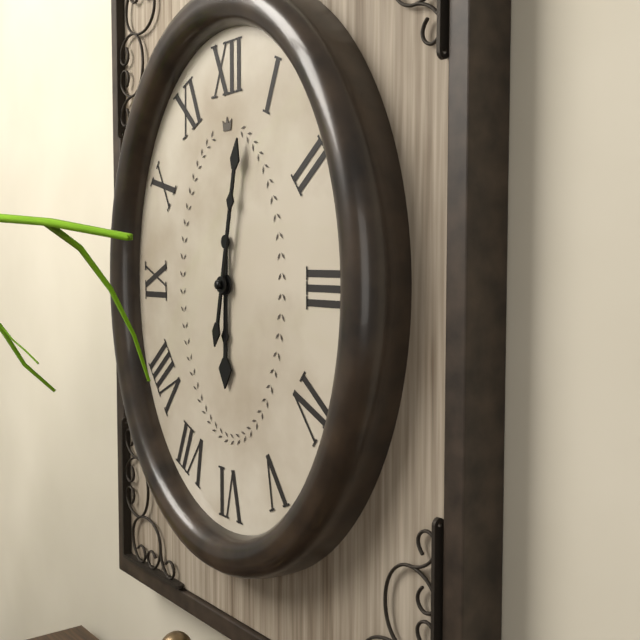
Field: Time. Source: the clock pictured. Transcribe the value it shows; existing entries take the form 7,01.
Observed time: 6,02
